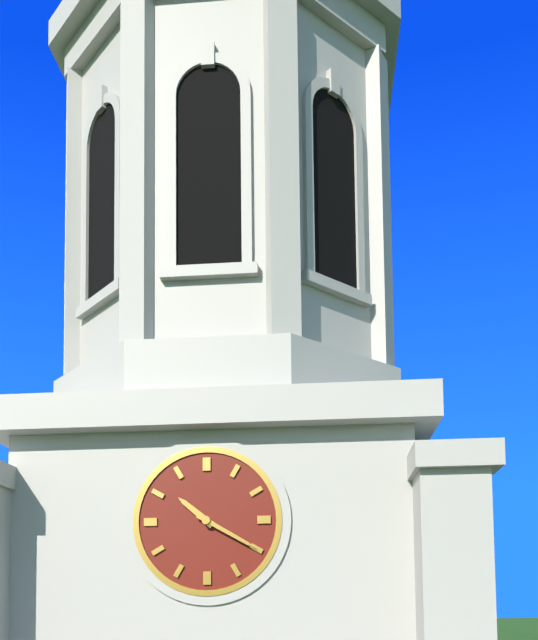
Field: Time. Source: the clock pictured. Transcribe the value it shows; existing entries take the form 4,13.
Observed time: 10,20
